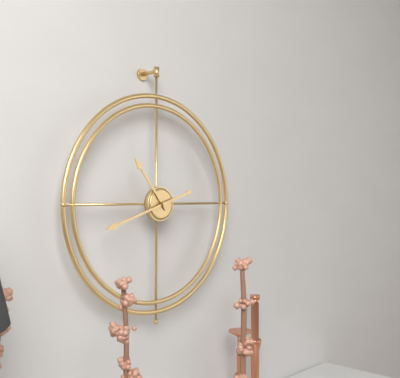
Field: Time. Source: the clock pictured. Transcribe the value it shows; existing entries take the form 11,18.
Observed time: 10,42
